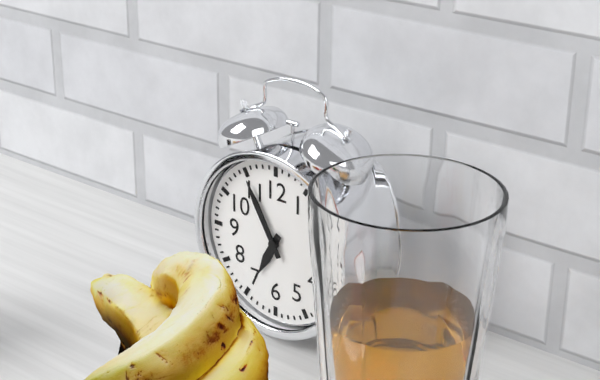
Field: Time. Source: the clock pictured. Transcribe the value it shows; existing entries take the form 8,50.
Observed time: 6,55
